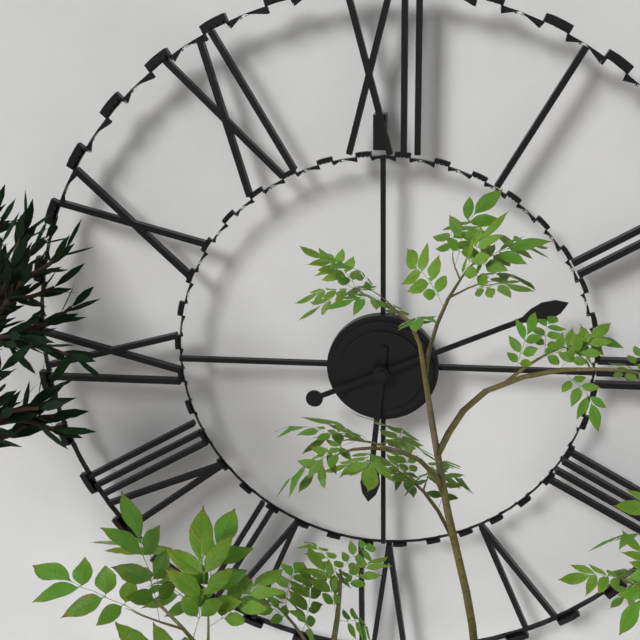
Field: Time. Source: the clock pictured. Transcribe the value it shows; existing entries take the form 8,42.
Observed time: 6,11
